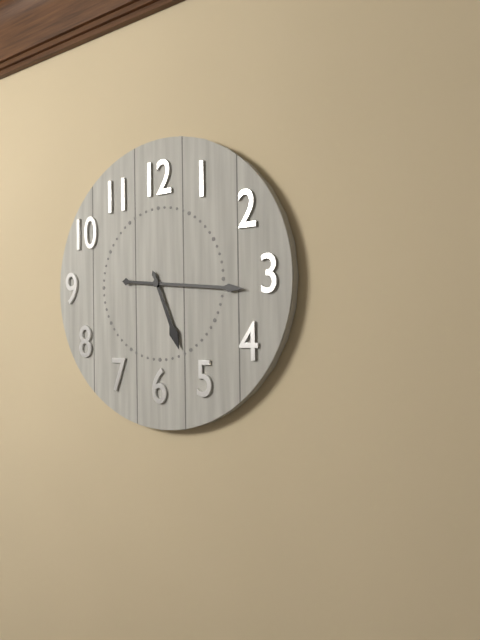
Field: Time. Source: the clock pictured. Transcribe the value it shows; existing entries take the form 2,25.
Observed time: 5,16
